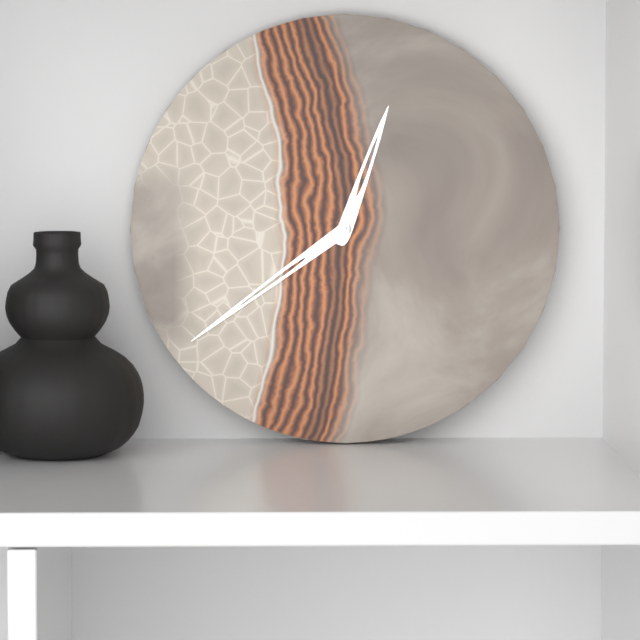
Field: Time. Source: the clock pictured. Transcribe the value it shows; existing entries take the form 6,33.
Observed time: 12,39
